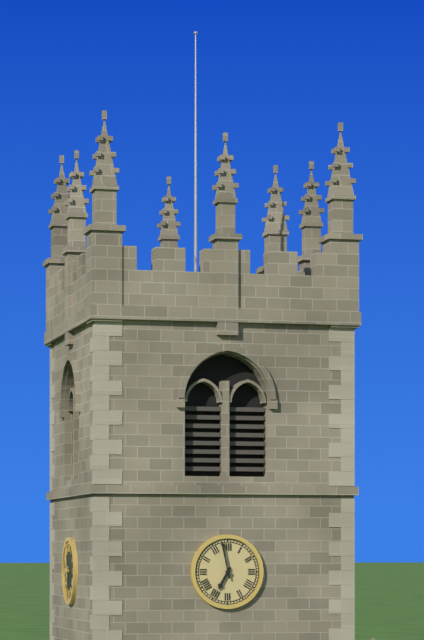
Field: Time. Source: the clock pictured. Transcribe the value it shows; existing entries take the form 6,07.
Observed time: 6,58
